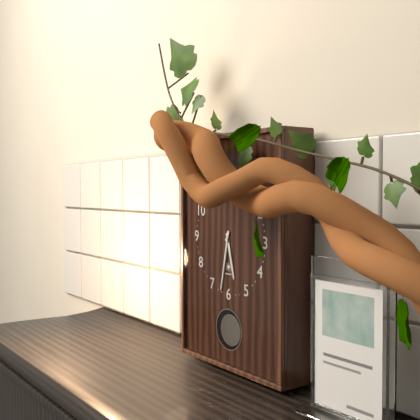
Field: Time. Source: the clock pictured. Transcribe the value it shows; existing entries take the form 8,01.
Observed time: 5,32
